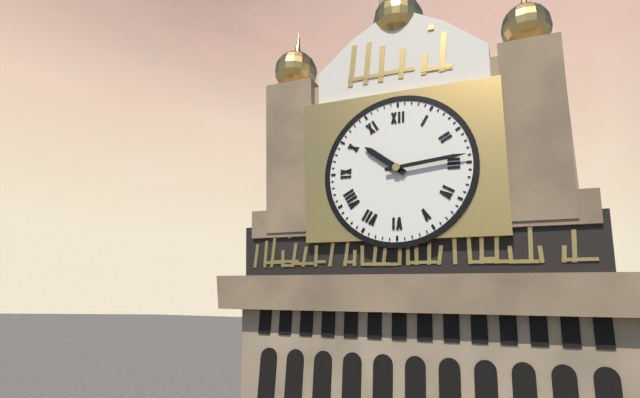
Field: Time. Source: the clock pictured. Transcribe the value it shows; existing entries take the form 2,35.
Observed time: 10,14
